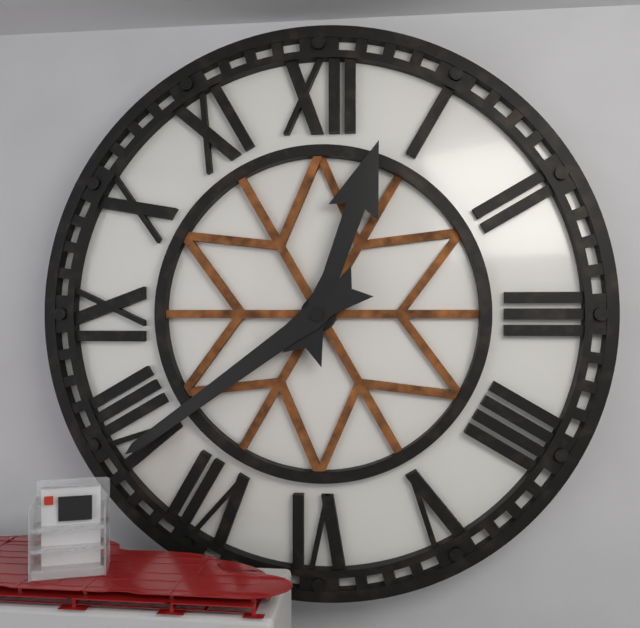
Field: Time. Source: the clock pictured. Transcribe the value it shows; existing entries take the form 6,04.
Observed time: 12,39
